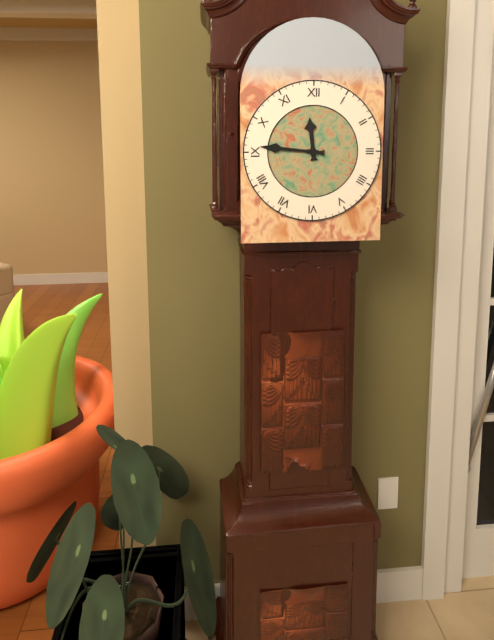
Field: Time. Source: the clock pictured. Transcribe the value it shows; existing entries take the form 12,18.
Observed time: 11,46
